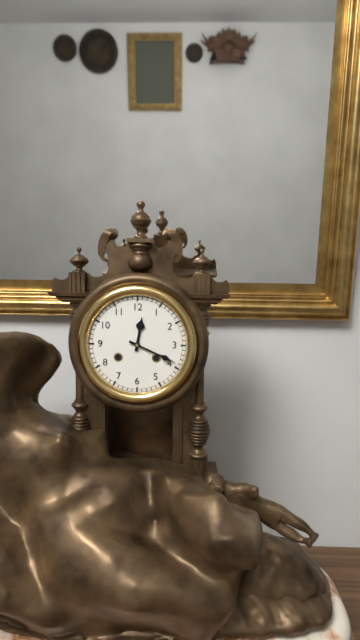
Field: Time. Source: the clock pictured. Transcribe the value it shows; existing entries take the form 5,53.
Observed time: 12,19
